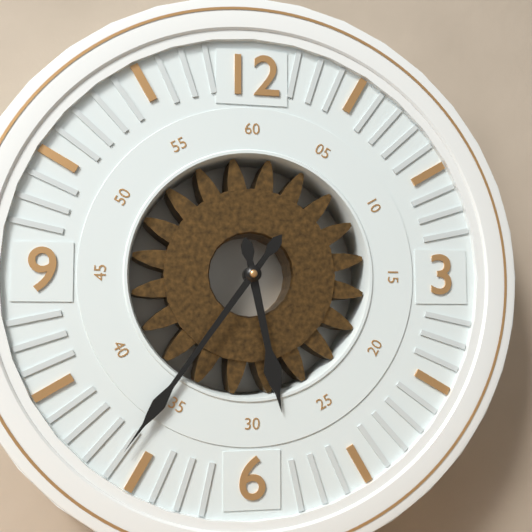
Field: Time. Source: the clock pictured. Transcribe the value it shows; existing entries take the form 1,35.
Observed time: 5,36
